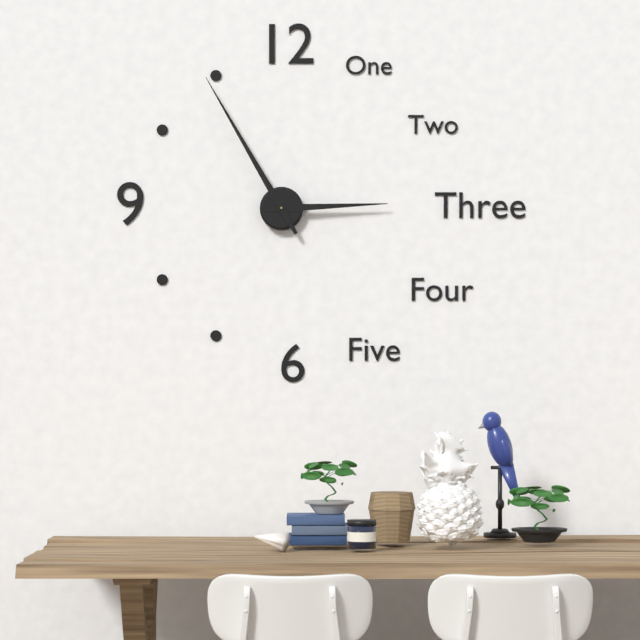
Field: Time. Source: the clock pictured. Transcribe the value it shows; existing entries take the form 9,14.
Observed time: 2,55
